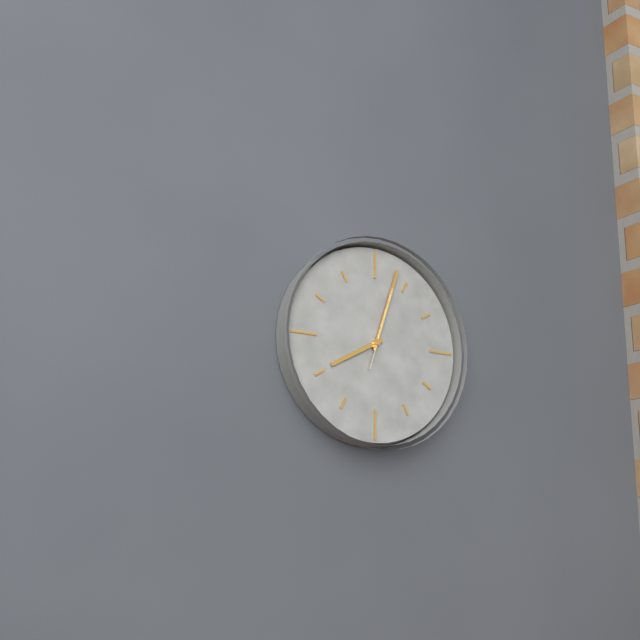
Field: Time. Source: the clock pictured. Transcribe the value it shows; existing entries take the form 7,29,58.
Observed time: 8,03,03
